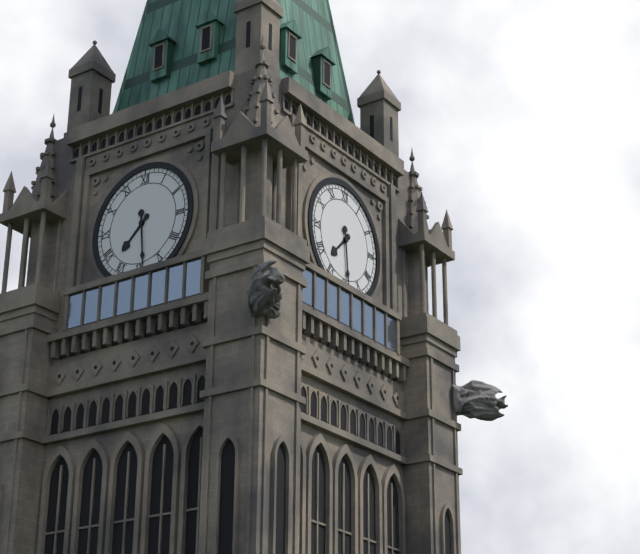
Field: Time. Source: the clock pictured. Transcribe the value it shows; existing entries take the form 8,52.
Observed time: 7,29
